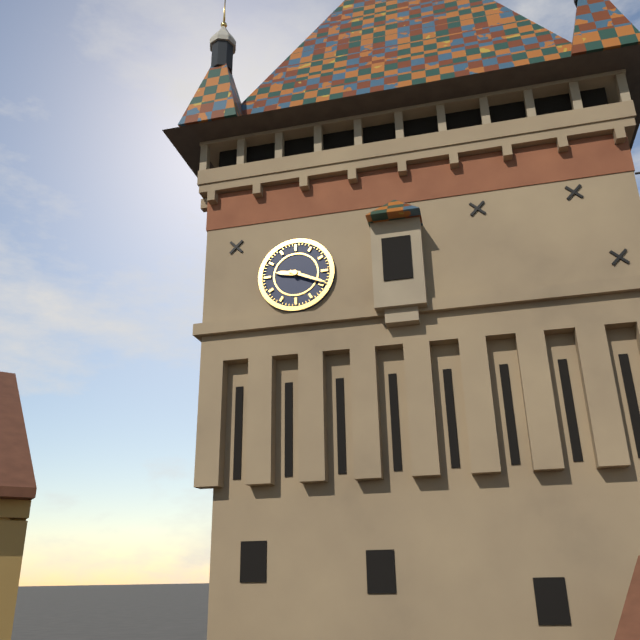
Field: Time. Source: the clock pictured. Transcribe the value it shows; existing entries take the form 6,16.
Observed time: 9,19
